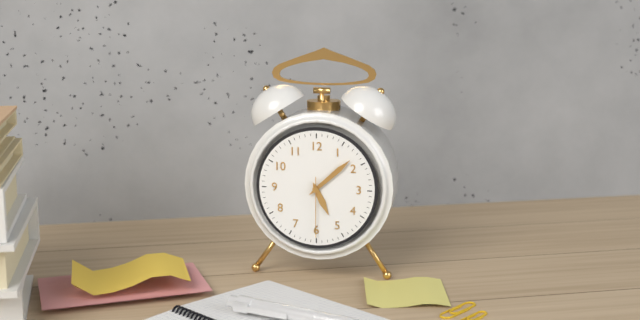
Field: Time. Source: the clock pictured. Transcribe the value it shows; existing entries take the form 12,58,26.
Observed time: 5,08,30
